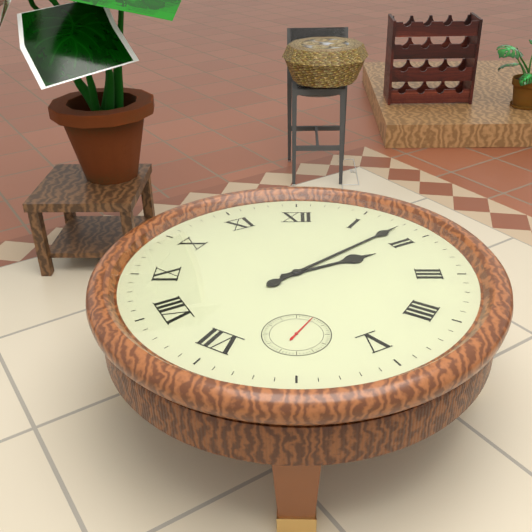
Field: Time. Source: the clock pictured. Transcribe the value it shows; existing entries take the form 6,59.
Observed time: 2,08
